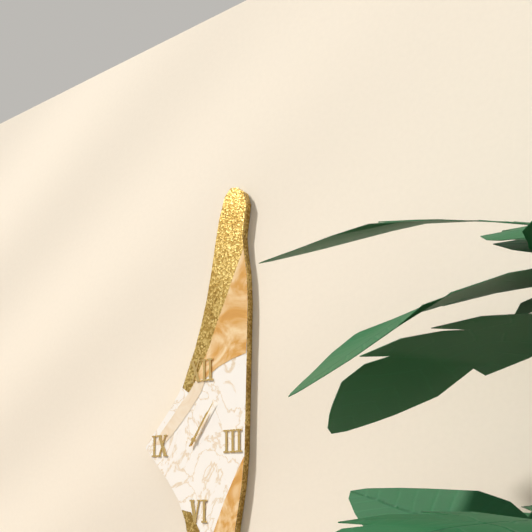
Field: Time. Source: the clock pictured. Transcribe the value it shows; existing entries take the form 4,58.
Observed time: 1,06
